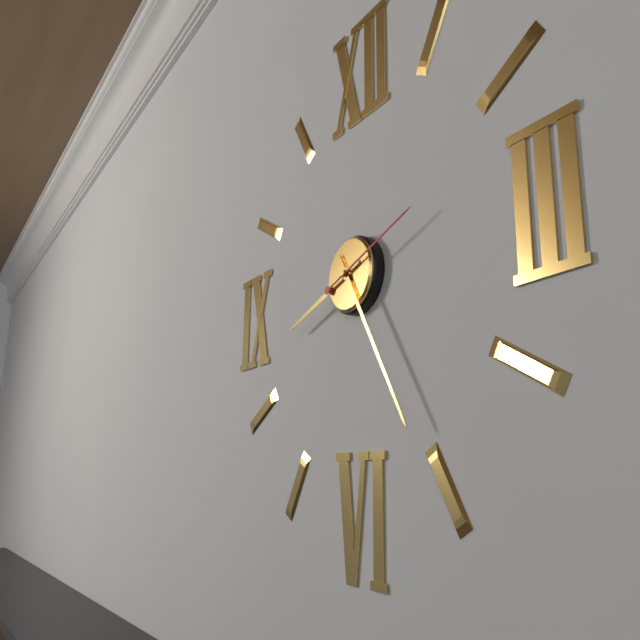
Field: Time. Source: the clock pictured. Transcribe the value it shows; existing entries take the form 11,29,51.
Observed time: 8,25,12
